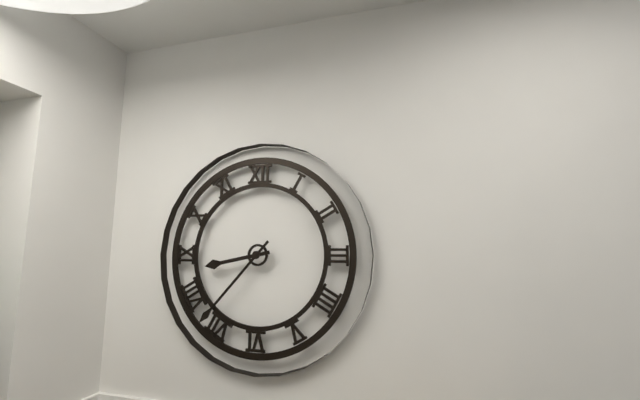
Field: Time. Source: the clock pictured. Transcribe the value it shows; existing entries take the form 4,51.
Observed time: 8,37
